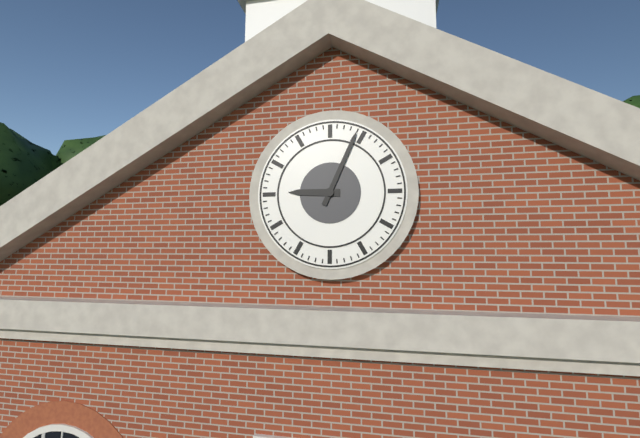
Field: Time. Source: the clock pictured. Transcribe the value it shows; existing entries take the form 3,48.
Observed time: 9,04
